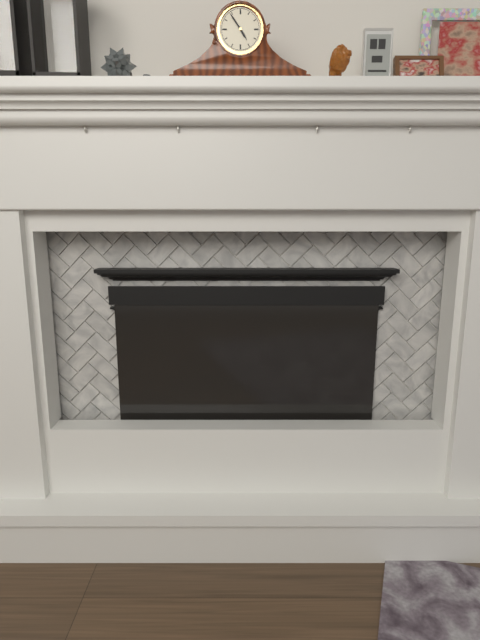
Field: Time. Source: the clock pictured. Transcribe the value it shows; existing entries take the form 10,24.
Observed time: 4,54
